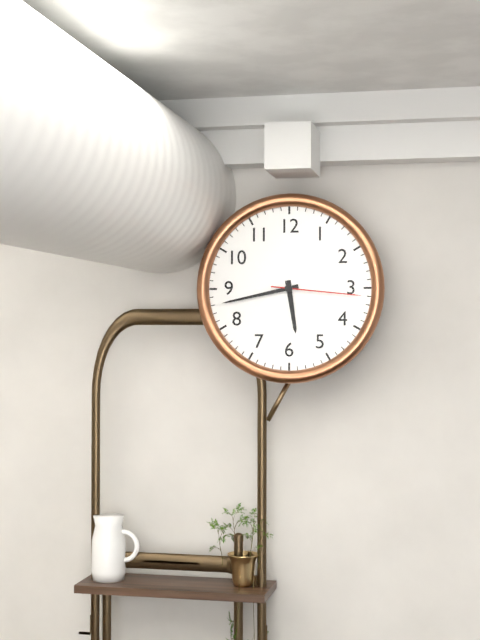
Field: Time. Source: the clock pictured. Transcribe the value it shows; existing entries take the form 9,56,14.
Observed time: 5,43,16
